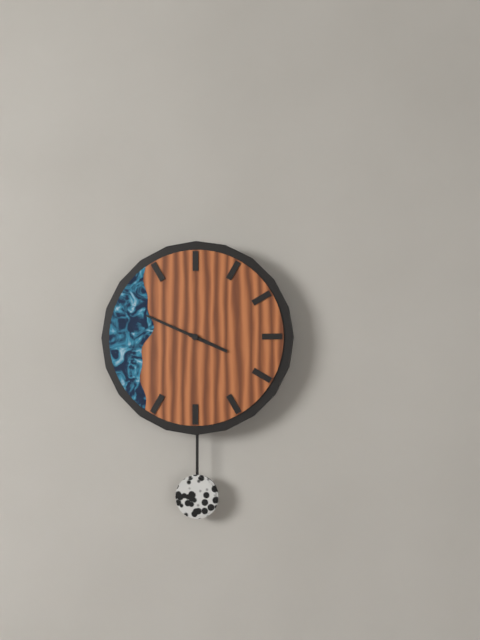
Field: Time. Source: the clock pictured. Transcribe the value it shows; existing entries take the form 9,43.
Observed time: 3,49
